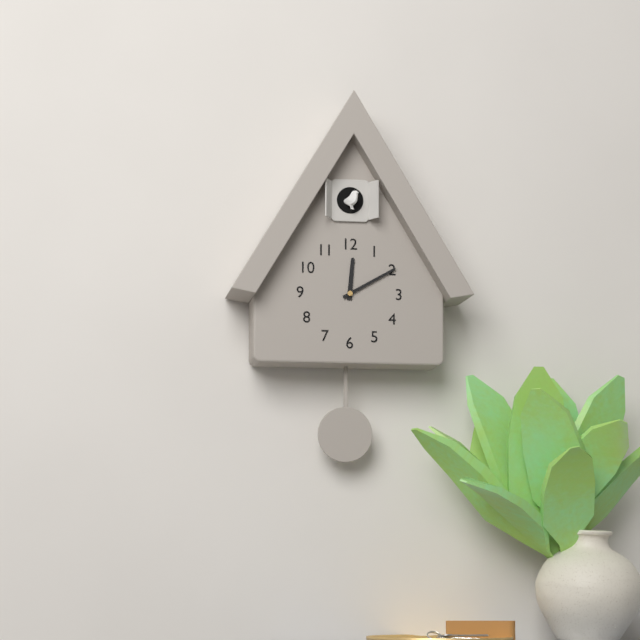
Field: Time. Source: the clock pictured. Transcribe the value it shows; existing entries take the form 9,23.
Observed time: 12,10
